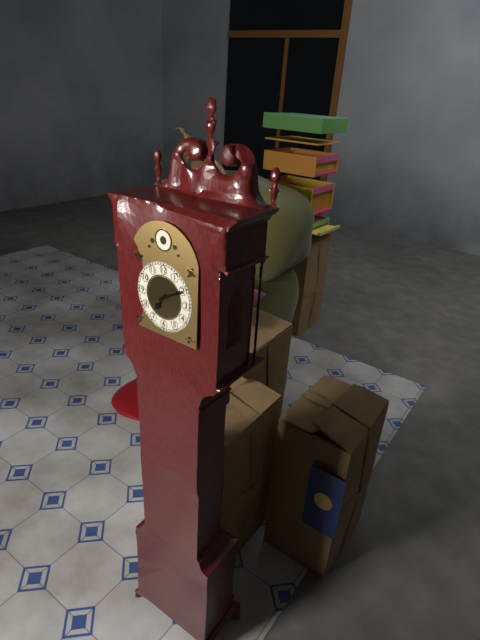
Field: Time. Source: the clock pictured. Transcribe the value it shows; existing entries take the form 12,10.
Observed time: 7,10
